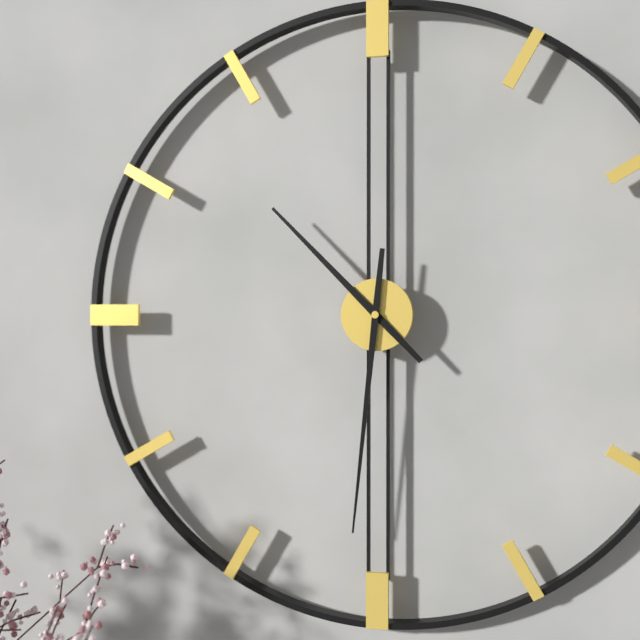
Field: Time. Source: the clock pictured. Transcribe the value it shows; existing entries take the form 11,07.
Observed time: 10,31
